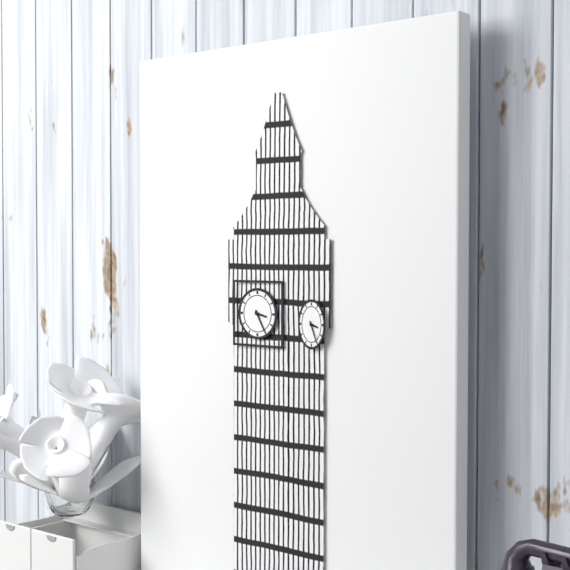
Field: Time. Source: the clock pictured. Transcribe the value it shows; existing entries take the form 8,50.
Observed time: 3,25
